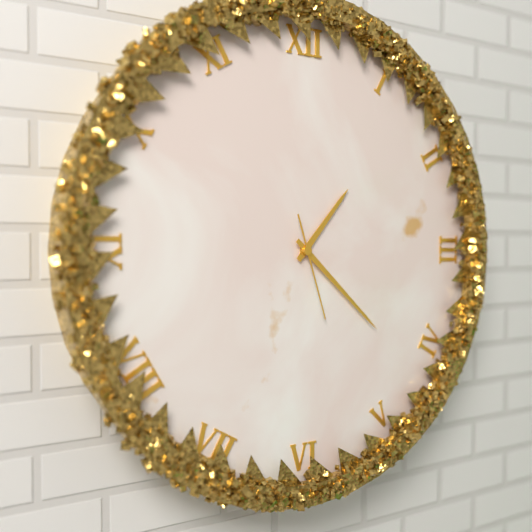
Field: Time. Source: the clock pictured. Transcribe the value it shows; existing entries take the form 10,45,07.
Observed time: 1,22,27
